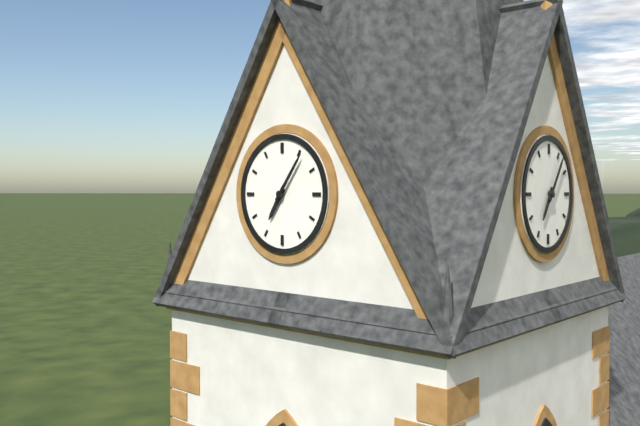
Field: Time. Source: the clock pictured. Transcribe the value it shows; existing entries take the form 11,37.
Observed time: 7,06
